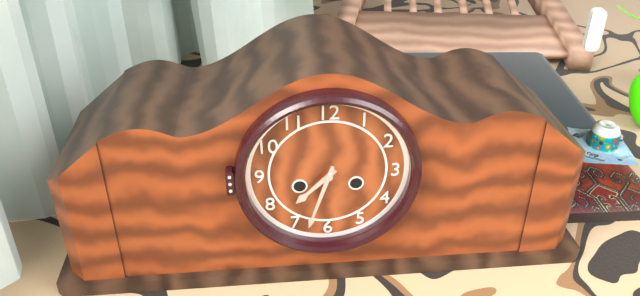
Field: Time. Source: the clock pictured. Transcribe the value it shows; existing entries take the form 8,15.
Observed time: 7,33
